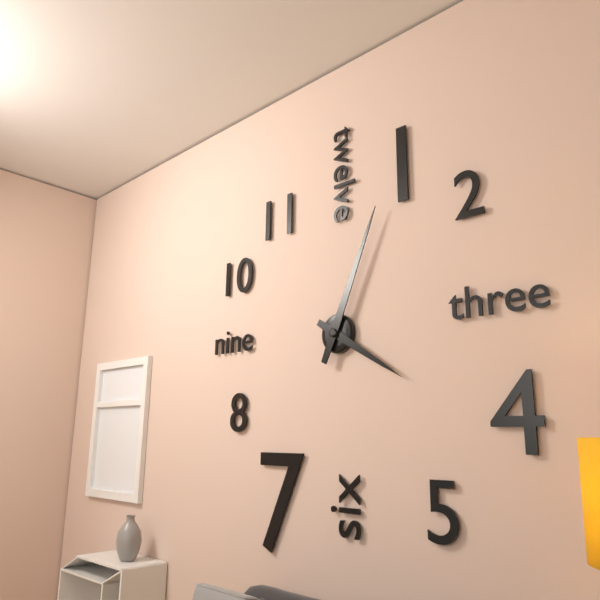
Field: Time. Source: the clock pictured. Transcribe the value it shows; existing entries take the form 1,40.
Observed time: 4,04
